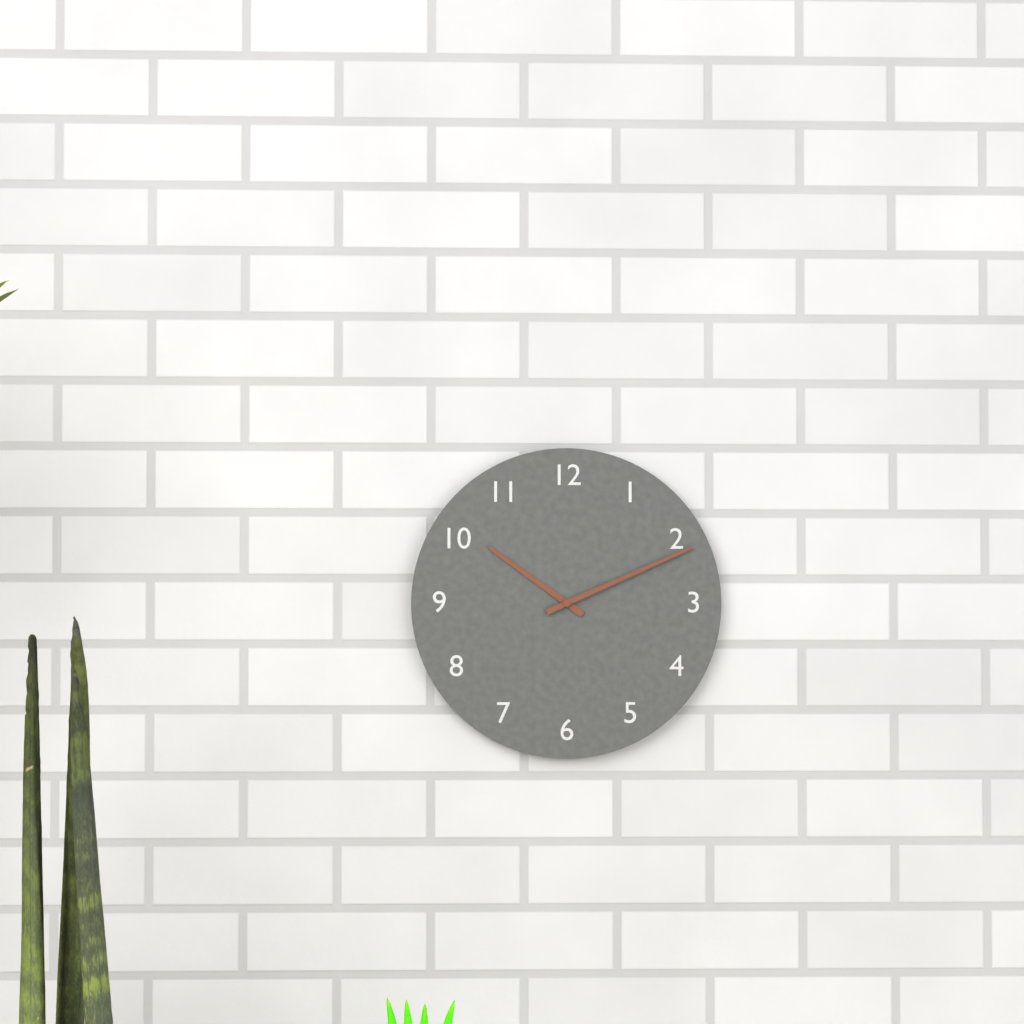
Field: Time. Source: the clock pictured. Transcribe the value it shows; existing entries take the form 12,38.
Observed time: 10,11
